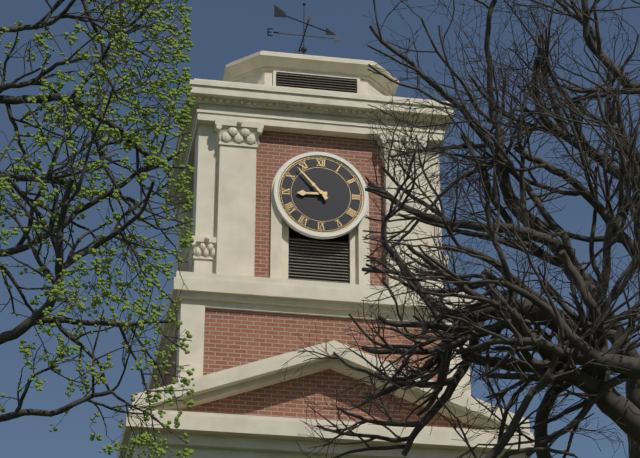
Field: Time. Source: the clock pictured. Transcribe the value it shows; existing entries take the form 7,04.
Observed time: 8,53
